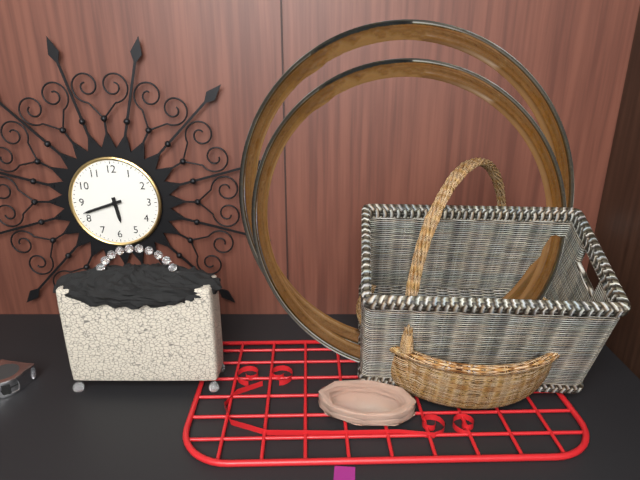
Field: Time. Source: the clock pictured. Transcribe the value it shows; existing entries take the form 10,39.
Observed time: 5,42
